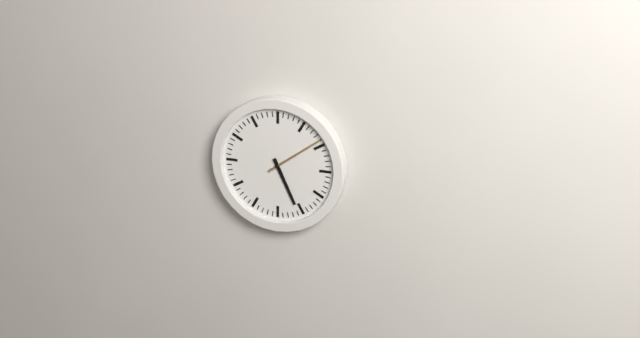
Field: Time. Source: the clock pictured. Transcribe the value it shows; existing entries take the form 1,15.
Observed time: 5,09
